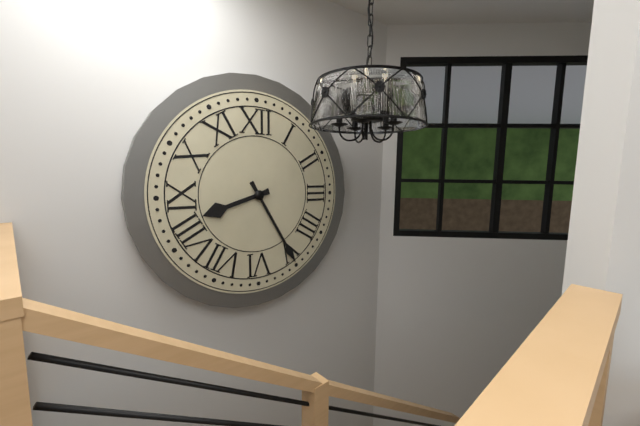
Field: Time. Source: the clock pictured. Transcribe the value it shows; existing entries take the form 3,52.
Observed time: 8,25
